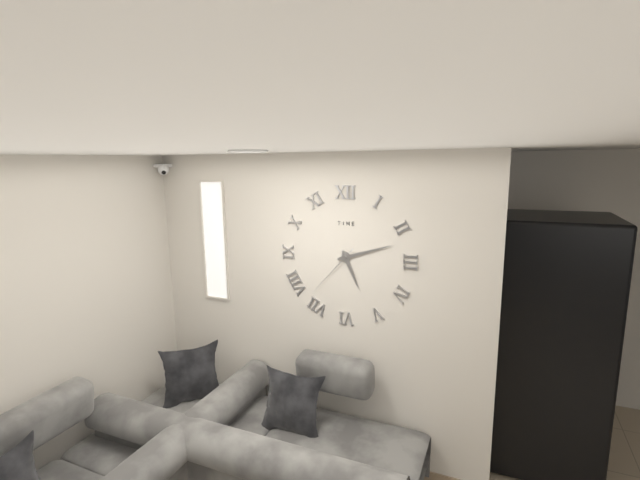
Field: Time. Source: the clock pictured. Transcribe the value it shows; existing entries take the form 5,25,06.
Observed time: 5,12,37
